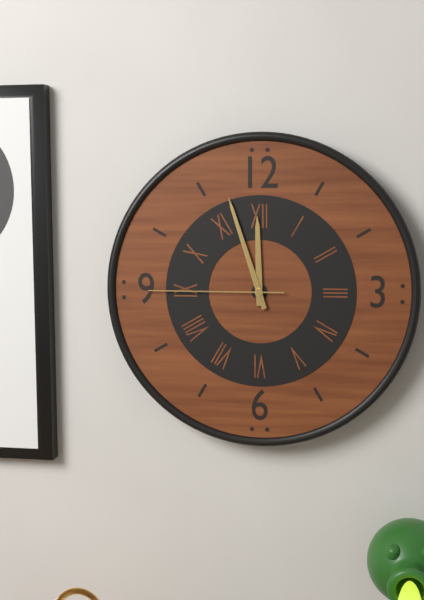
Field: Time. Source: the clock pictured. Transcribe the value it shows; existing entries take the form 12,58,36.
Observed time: 11,57,45
